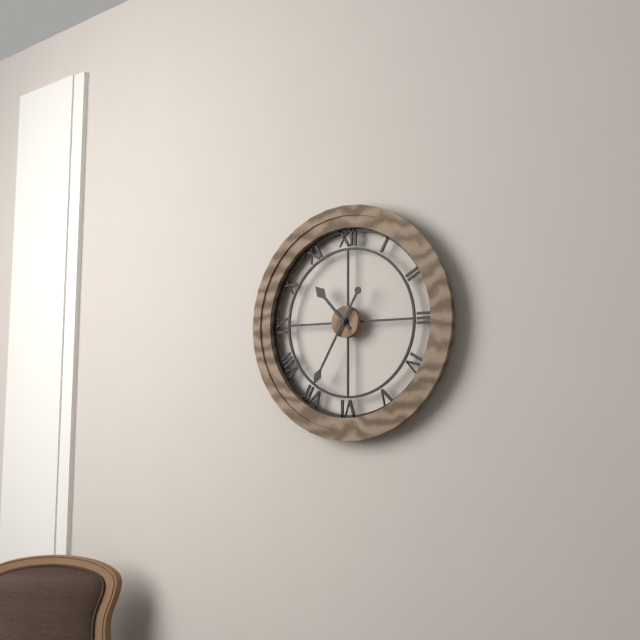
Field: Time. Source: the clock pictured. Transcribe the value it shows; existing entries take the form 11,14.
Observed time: 10,35
